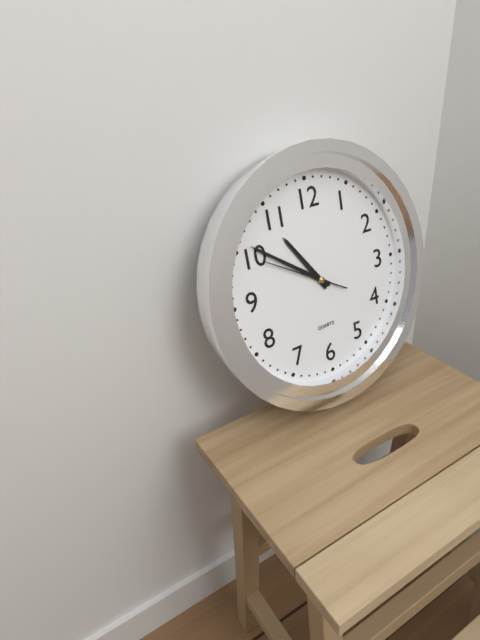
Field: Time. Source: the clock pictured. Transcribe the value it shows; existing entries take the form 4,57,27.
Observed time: 10,51,50
